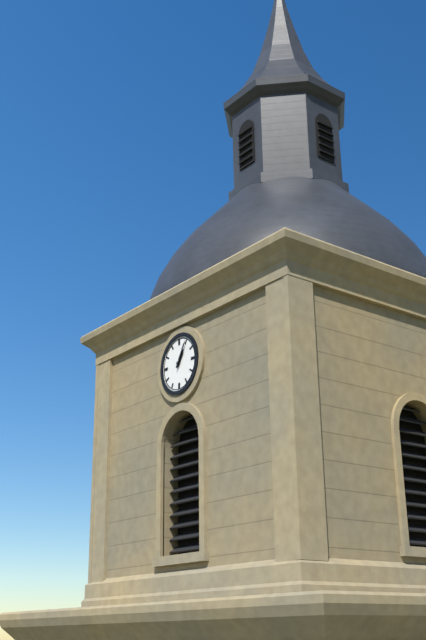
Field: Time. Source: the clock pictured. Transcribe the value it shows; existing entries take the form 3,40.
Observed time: 1,05
